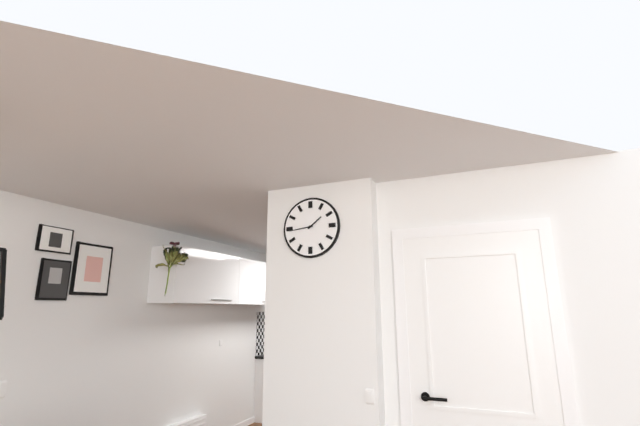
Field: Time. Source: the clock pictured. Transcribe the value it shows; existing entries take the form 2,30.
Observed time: 1,44
